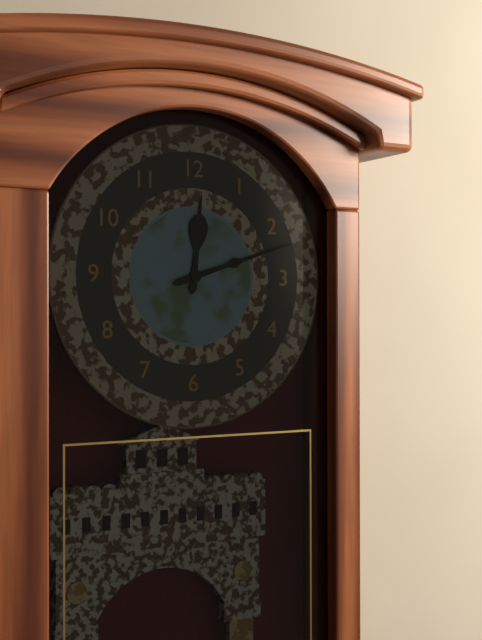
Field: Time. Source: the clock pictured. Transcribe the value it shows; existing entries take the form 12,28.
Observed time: 12,12
